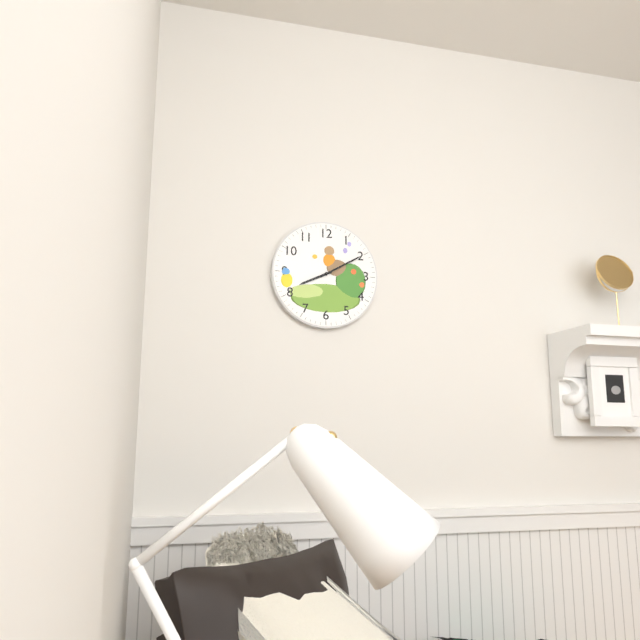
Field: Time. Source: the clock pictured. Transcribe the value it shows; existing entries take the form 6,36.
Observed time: 8,10
